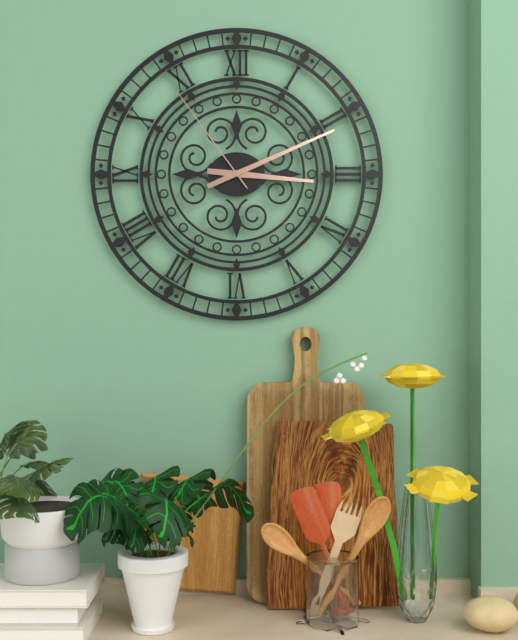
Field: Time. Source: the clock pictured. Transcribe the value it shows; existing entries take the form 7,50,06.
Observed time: 3,11,54
